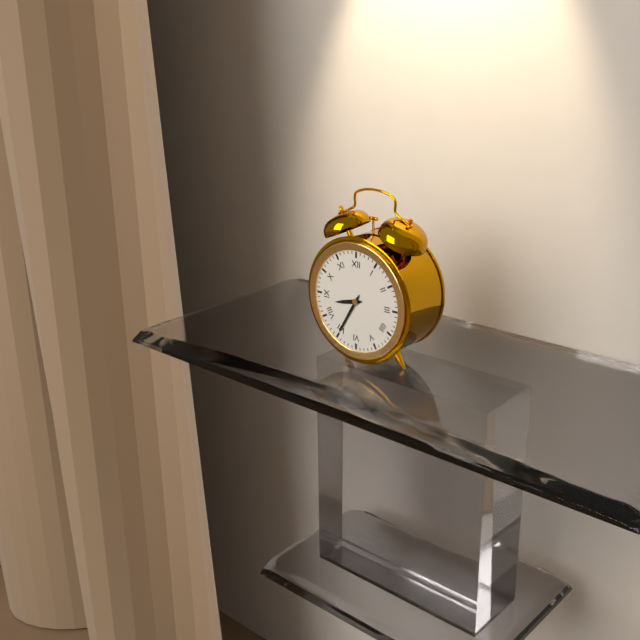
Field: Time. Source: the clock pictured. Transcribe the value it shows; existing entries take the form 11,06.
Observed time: 8,35
